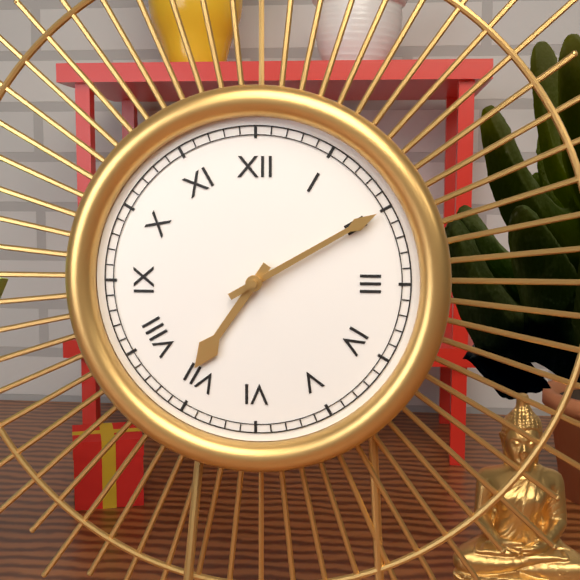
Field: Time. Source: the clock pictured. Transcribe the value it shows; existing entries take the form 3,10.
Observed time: 7,10
